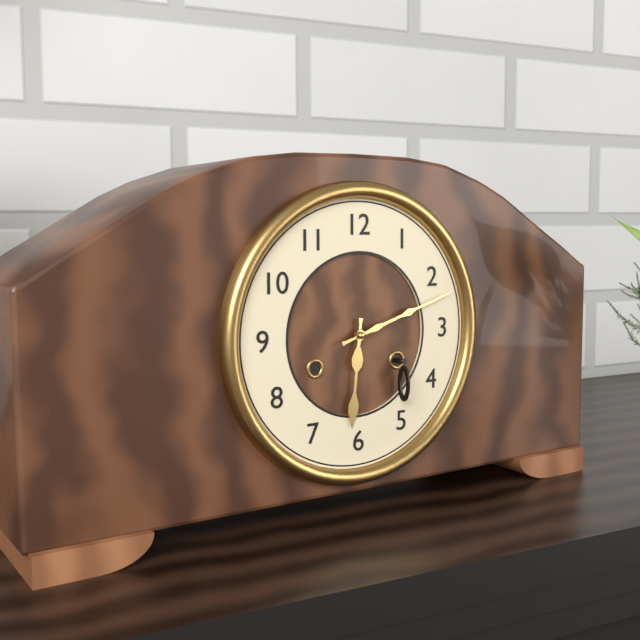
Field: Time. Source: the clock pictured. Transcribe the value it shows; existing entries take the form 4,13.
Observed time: 6,12
